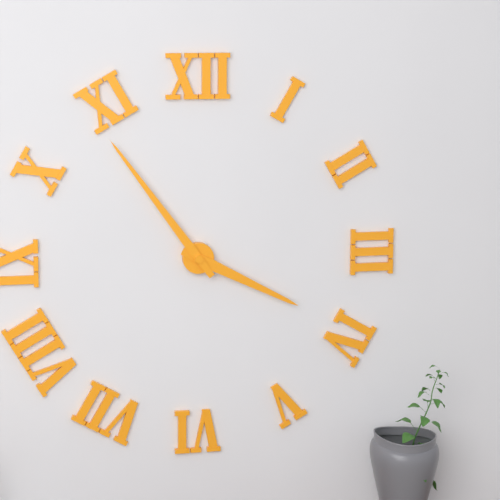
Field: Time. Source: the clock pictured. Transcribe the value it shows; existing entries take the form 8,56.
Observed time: 3,54
